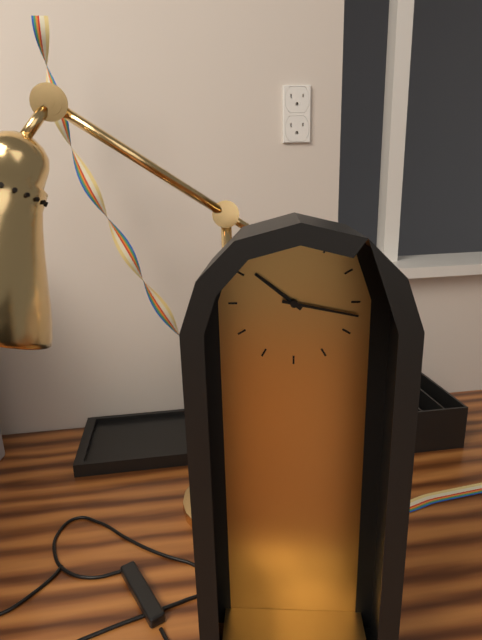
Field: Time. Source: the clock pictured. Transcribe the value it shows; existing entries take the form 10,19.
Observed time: 10,17
